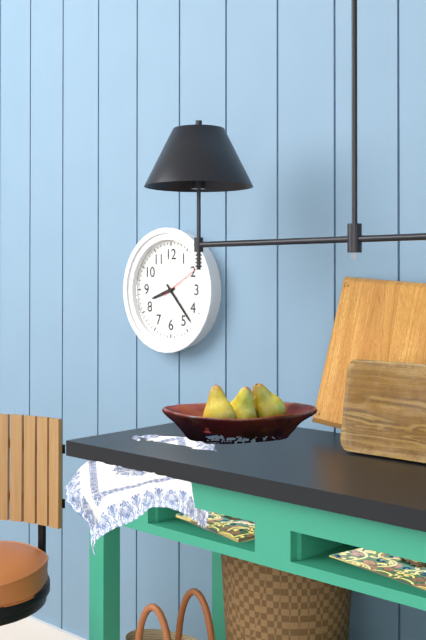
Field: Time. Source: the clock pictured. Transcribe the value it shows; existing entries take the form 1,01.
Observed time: 8,23
